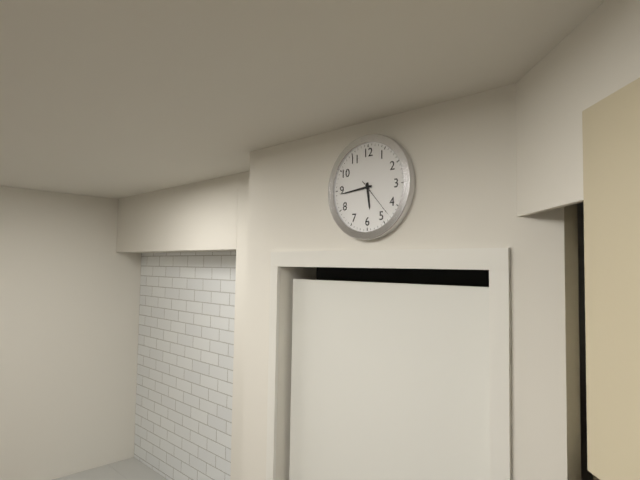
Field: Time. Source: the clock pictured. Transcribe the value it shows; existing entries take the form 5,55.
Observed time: 5,44
